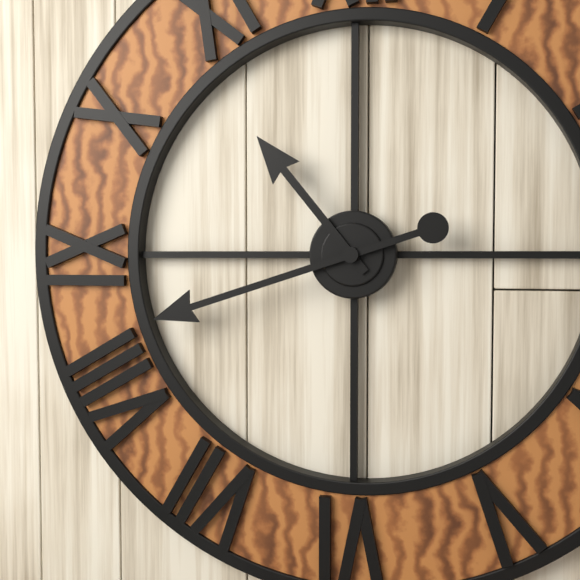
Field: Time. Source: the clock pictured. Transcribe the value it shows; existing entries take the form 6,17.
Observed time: 10,42
